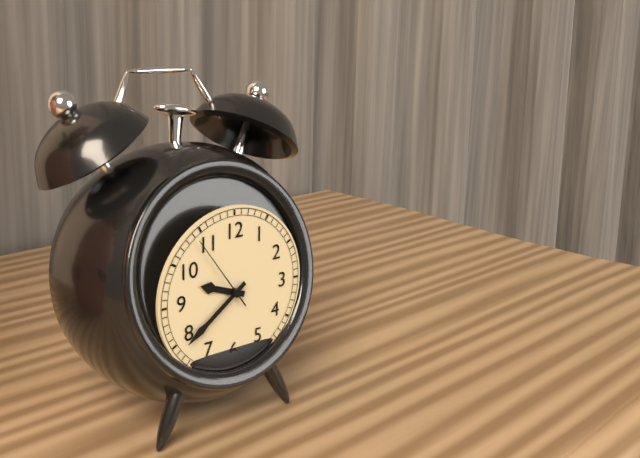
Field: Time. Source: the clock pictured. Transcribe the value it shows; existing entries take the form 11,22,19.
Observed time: 9,39,54
